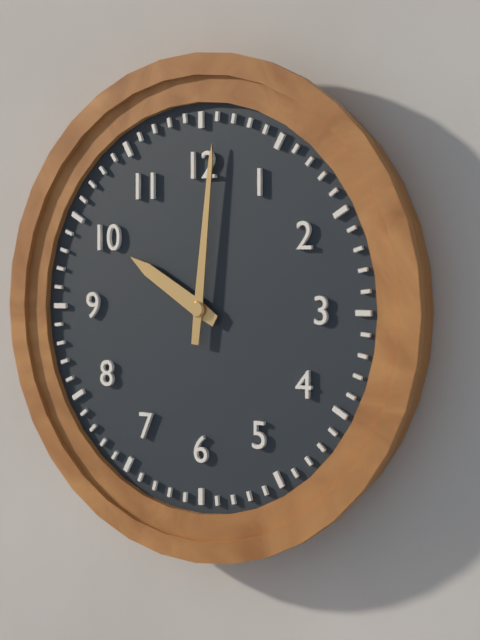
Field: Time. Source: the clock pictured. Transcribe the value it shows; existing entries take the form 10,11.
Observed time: 10,01
